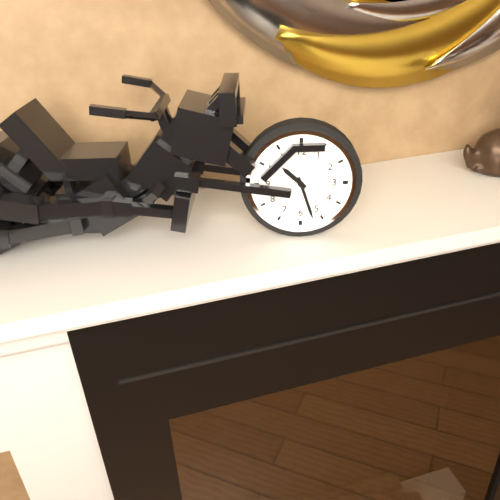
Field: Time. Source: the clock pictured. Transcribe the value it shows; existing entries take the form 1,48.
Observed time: 10,27
